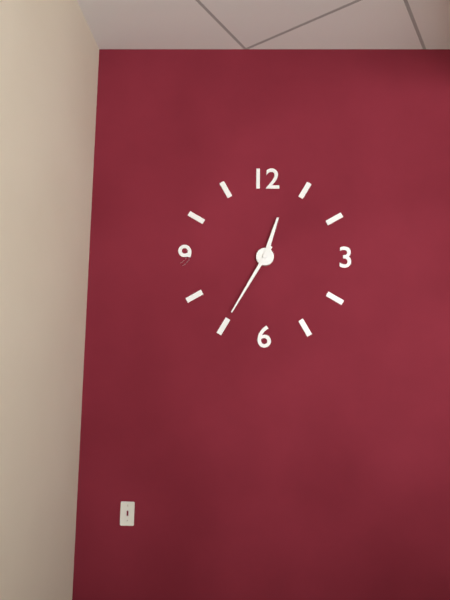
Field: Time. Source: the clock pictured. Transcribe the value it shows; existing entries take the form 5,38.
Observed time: 12,35
